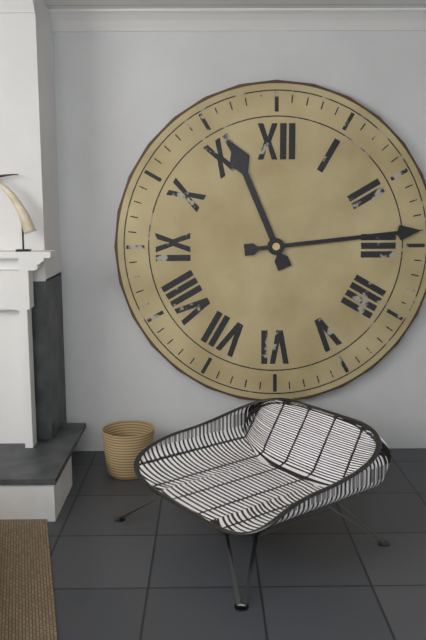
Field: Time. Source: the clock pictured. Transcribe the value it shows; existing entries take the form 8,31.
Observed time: 11,14
